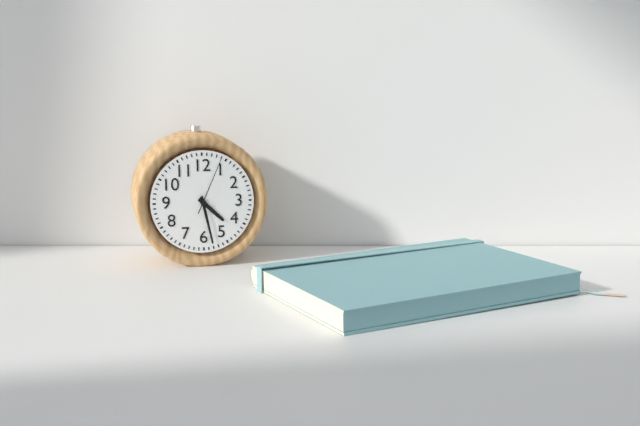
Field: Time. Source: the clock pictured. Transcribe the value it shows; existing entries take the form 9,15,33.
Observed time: 4,28,04
